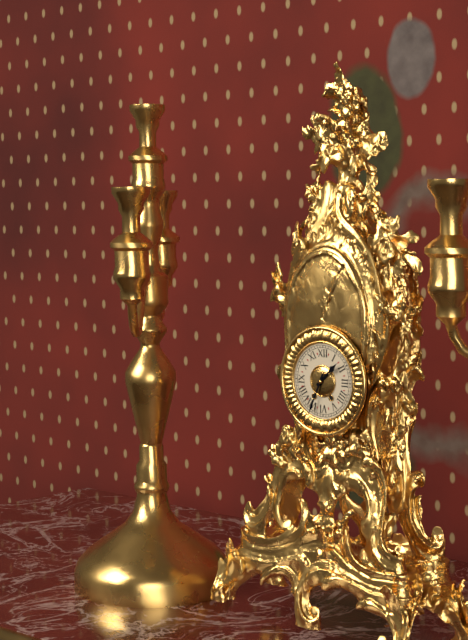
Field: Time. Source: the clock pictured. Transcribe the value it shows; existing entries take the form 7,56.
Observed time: 1,34
